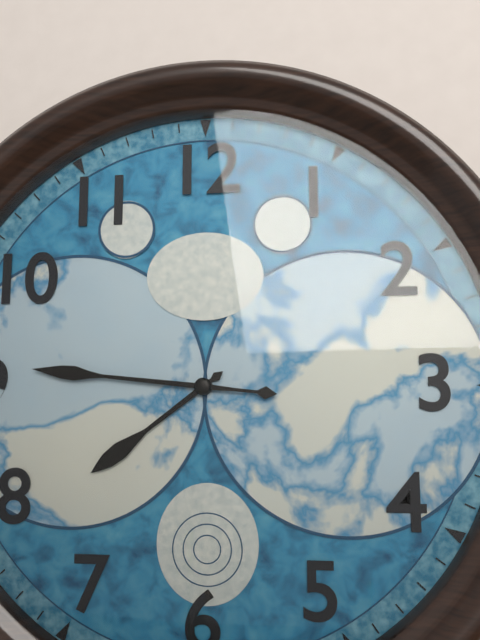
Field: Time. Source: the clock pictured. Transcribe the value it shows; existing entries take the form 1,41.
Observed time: 7,46
